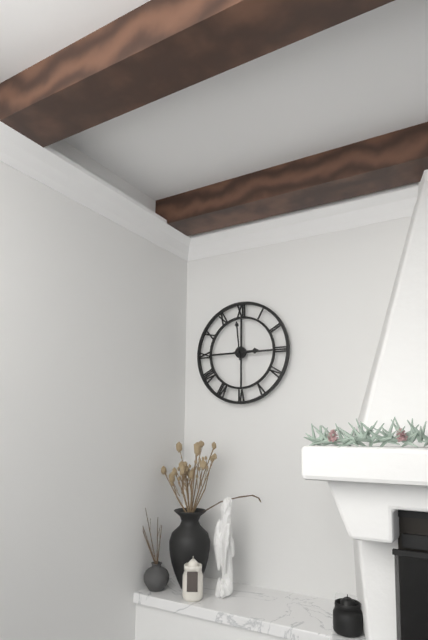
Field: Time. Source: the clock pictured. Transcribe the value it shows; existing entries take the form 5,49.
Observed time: 2,59
